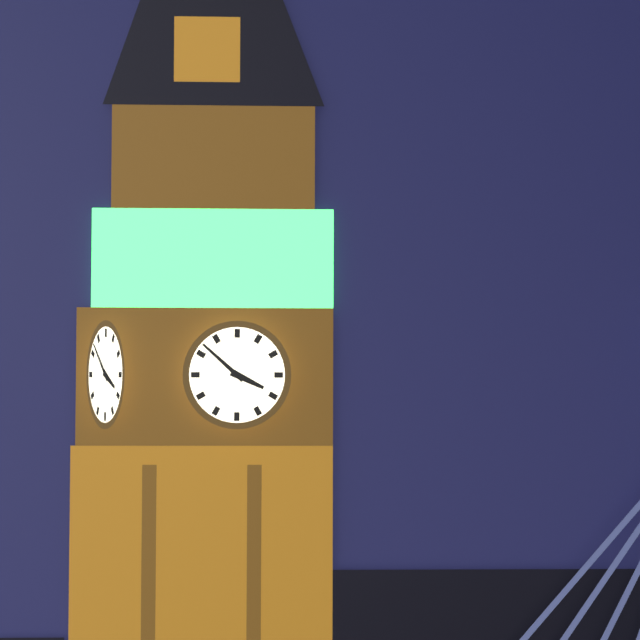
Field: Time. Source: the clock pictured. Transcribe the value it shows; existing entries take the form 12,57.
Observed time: 3,52
